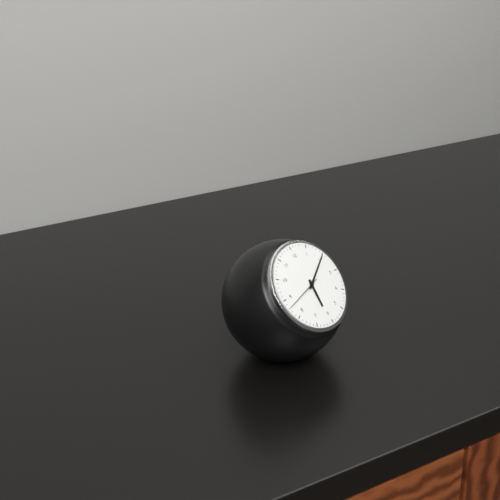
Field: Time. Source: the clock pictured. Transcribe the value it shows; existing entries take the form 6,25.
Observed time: 6,10
